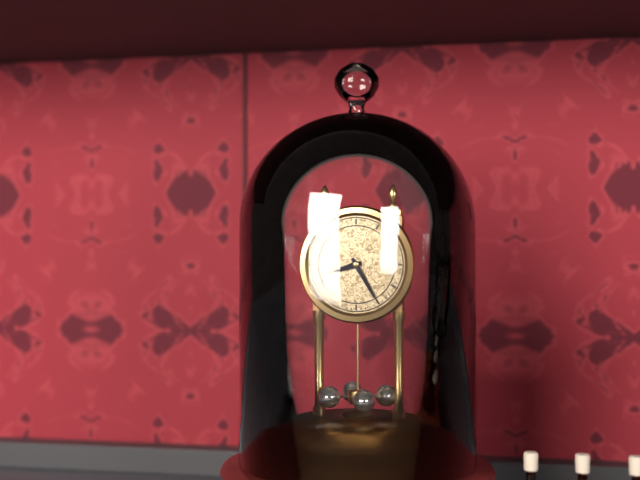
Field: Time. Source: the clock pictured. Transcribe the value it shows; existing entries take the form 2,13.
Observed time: 8,25
